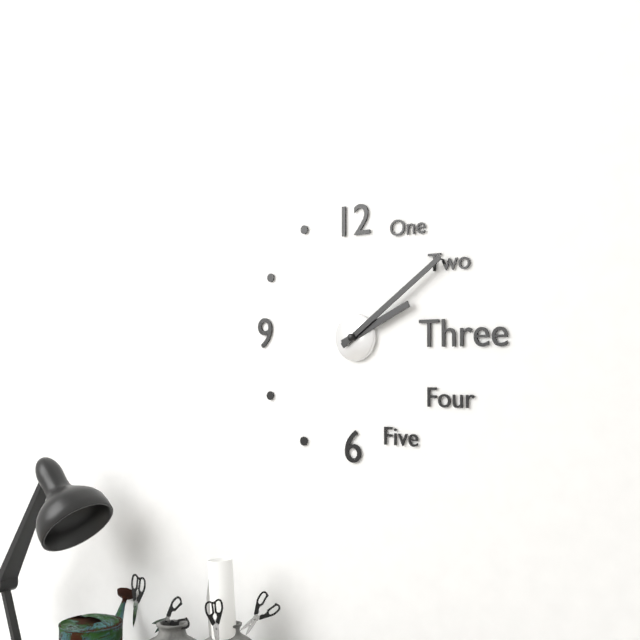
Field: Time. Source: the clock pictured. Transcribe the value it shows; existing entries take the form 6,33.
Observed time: 2,09
